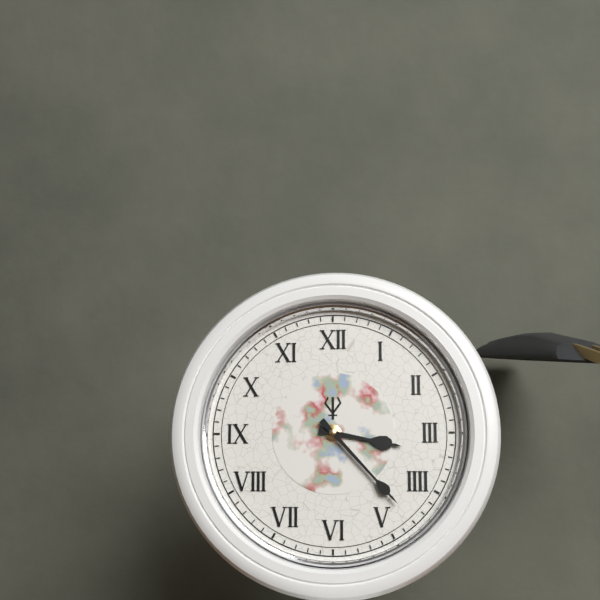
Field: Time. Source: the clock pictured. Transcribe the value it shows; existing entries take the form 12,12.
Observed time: 3,23
